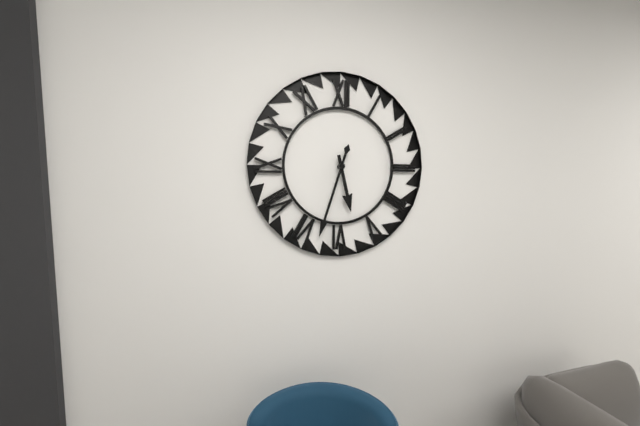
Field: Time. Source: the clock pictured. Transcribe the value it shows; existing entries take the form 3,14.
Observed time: 5,33
